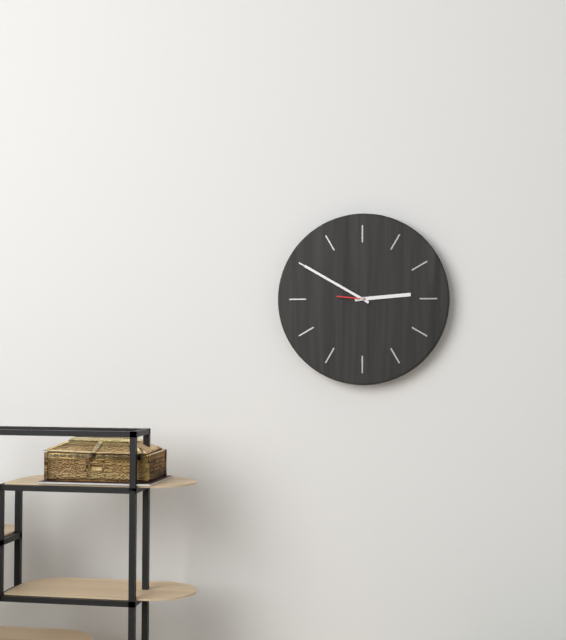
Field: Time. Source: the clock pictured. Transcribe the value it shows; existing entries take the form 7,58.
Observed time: 2,50
